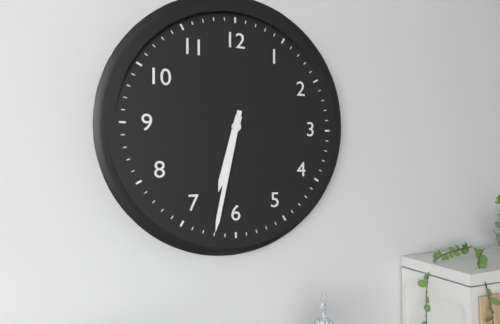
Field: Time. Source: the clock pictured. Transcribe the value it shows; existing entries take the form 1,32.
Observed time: 6,32
